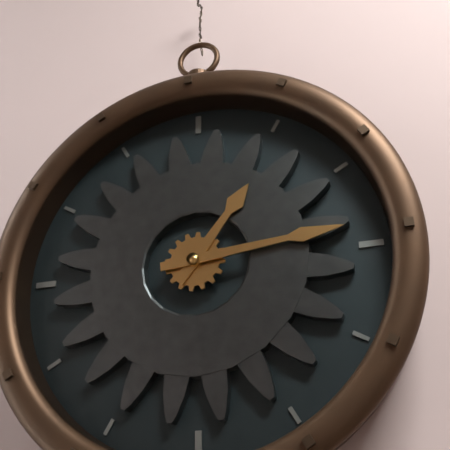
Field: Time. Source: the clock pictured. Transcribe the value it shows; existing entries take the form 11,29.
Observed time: 1,14
